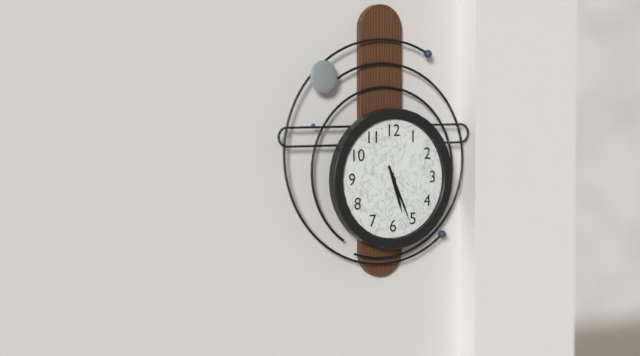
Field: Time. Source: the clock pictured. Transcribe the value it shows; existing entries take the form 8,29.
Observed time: 5,26
